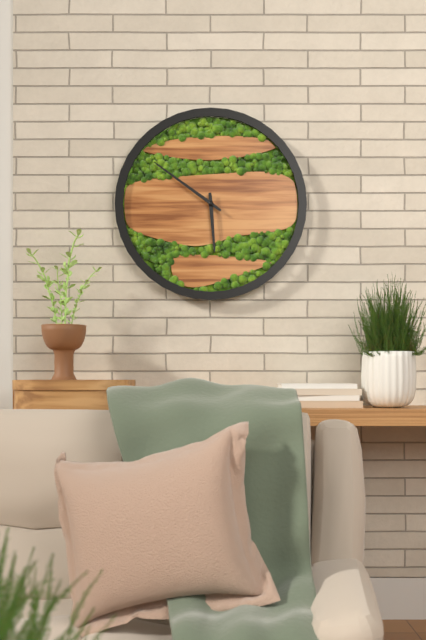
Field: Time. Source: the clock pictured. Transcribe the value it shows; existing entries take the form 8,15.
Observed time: 5,51
